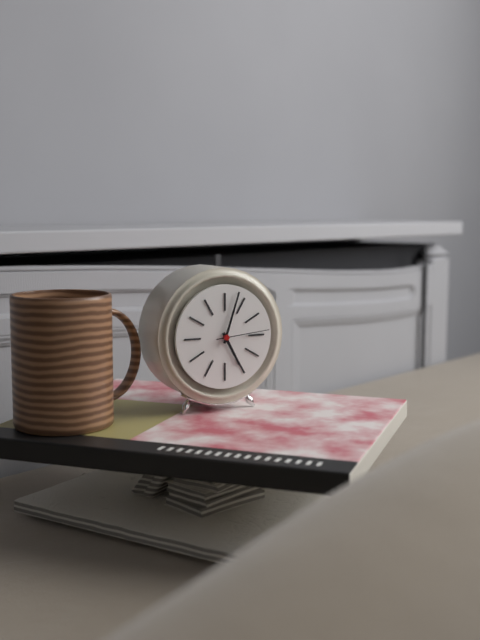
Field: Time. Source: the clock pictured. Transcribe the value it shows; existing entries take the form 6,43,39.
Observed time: 5,03,14
